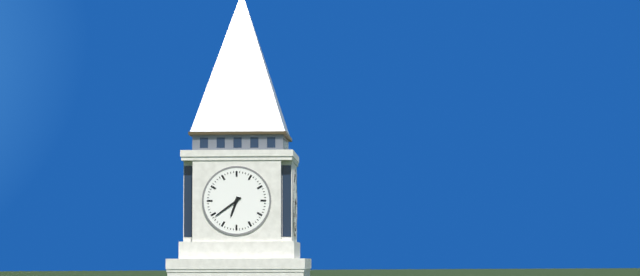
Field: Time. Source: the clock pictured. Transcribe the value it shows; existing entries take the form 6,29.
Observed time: 6,39
